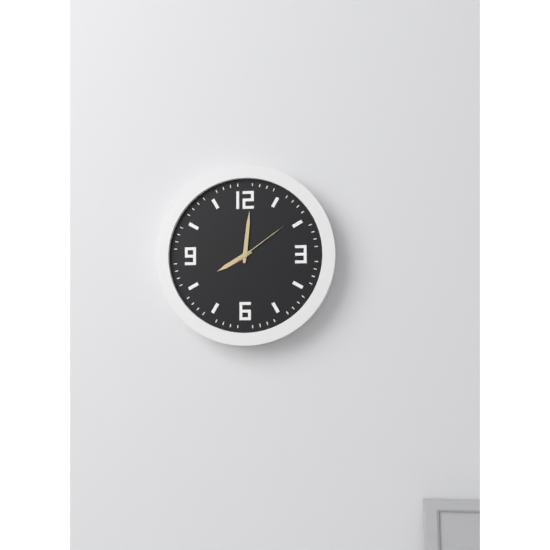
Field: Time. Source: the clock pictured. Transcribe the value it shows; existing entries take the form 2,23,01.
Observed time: 8,01,09
